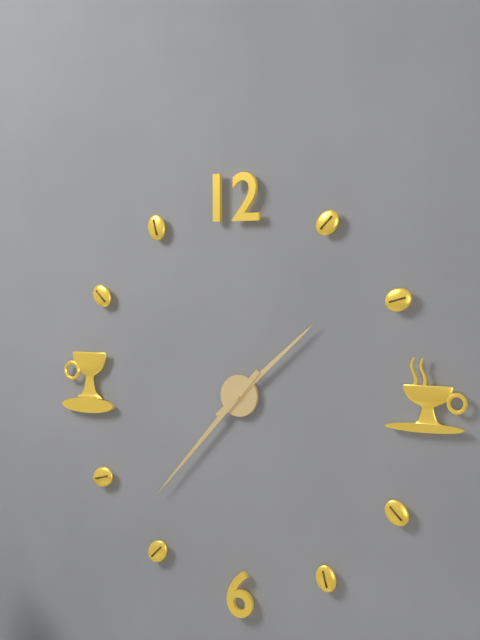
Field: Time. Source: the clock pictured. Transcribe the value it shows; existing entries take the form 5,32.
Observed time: 1,37
